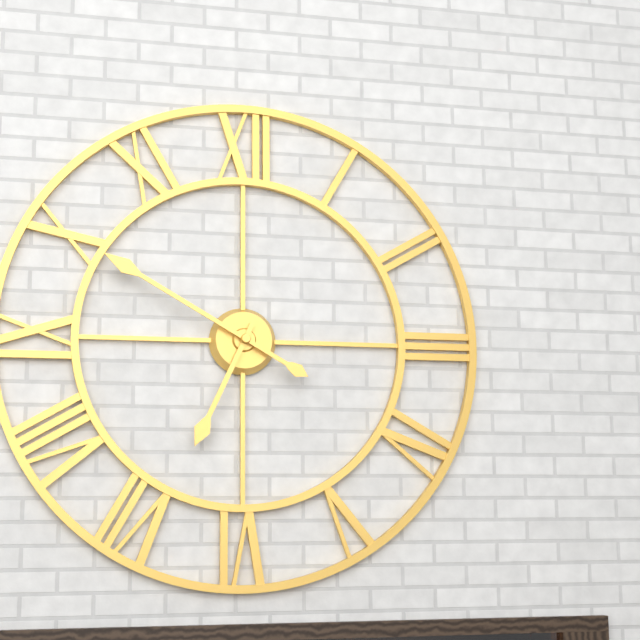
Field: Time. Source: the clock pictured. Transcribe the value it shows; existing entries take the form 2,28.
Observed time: 6,50
